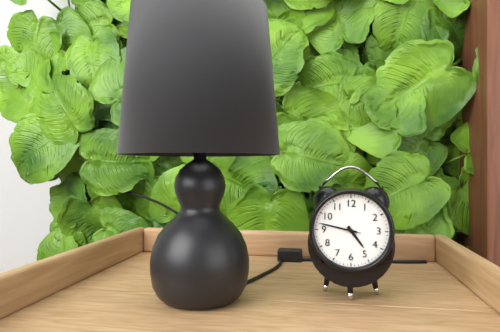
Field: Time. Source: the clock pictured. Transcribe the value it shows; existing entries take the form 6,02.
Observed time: 4,47
